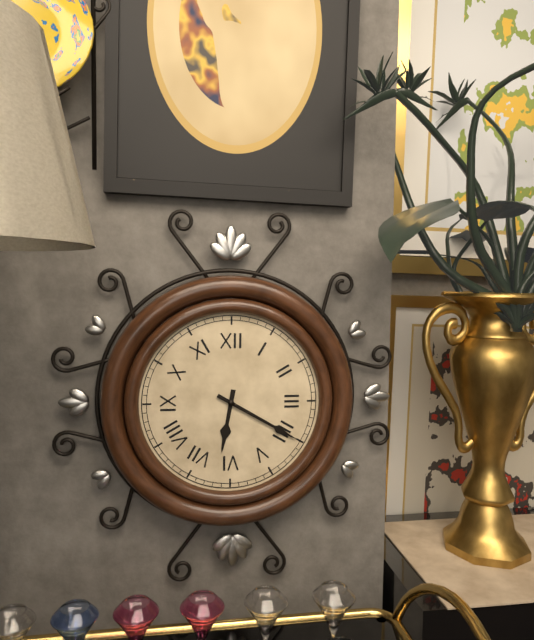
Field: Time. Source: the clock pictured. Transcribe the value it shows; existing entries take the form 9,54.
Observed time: 6,20
